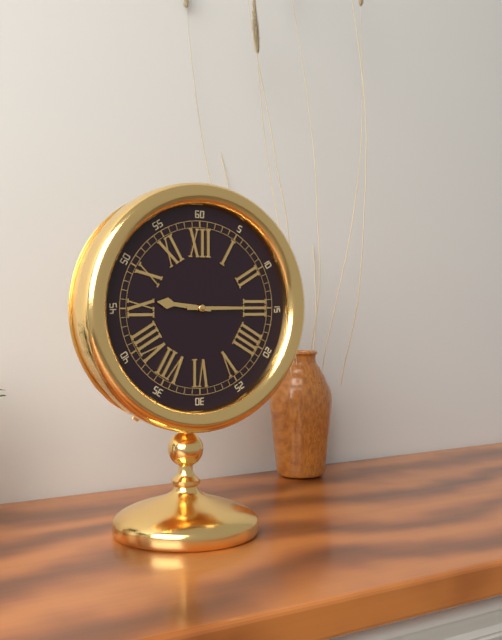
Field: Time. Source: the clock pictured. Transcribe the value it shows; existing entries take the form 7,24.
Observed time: 9,15
